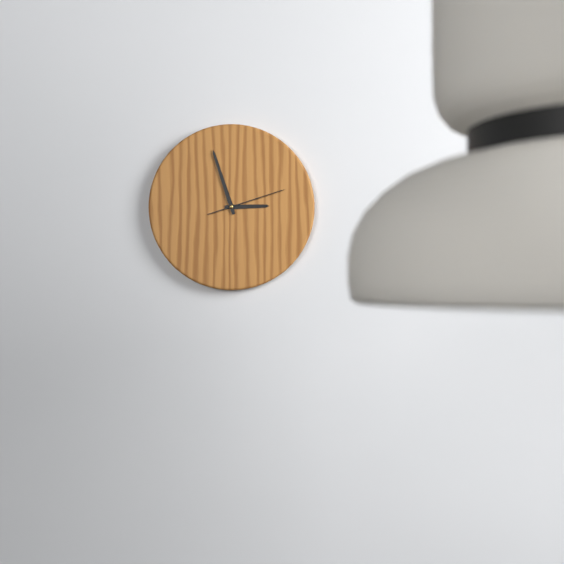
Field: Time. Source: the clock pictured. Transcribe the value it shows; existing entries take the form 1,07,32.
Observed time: 2,57,12
